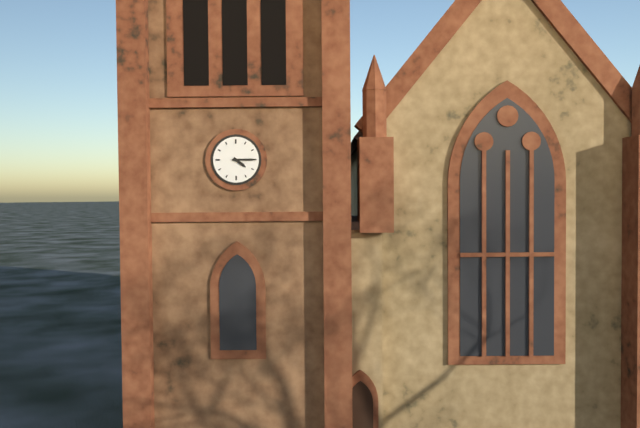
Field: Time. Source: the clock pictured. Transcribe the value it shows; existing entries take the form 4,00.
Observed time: 4,15
